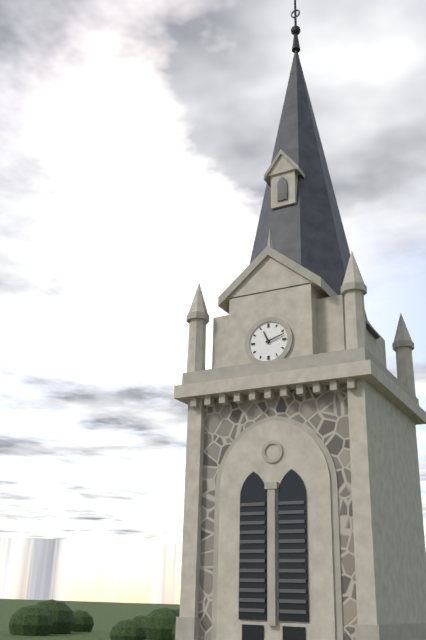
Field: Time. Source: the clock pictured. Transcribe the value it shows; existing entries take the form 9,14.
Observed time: 11,12
